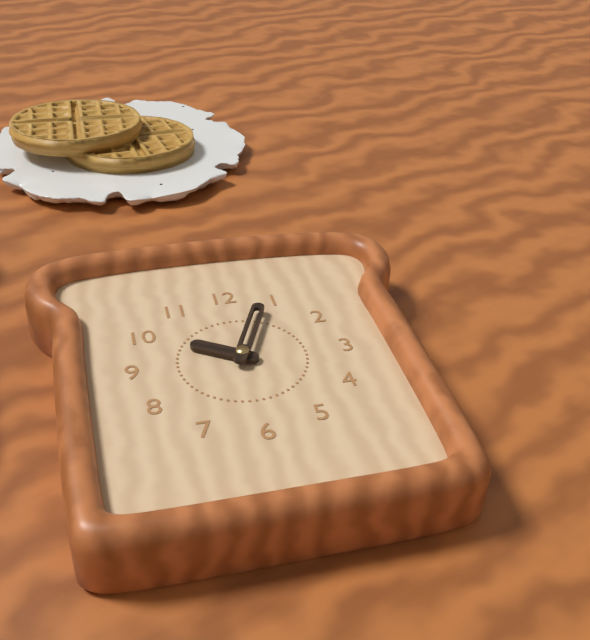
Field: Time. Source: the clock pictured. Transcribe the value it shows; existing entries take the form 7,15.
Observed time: 10,04
